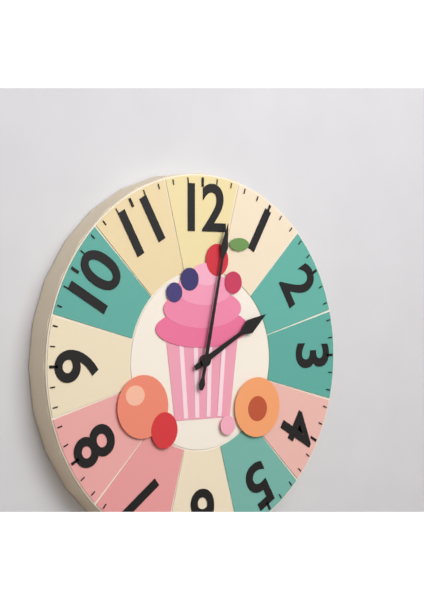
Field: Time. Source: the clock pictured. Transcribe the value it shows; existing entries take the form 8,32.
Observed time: 2,02
